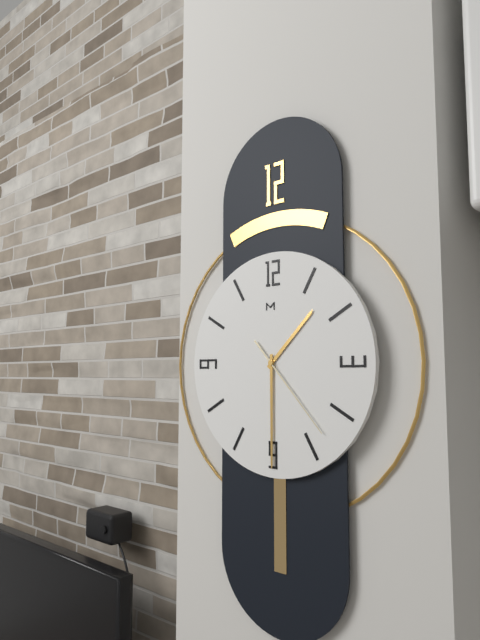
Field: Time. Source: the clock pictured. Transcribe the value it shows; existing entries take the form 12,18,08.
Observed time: 1,30,23
